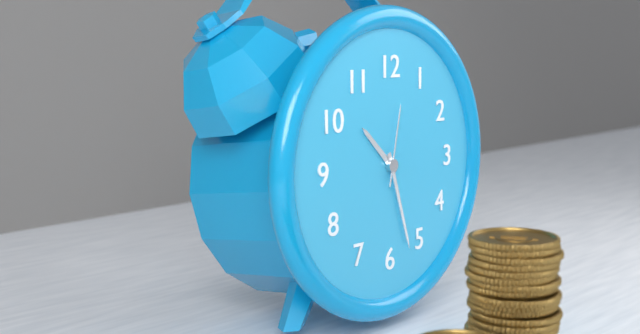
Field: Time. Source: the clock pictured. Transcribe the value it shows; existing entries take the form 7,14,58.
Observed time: 10,27,02
